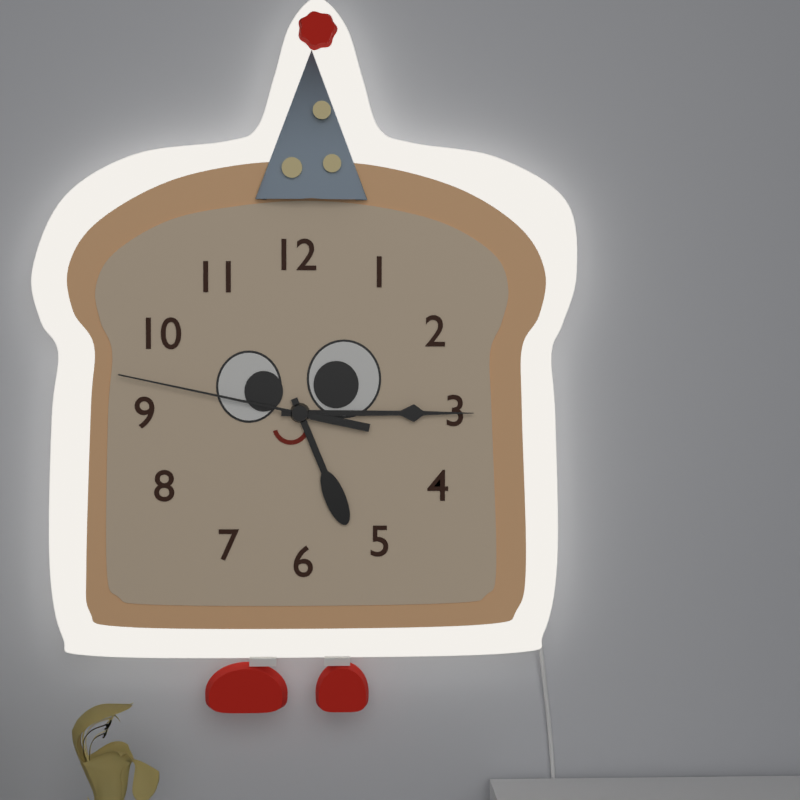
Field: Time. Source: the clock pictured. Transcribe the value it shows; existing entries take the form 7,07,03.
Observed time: 5,15,47
